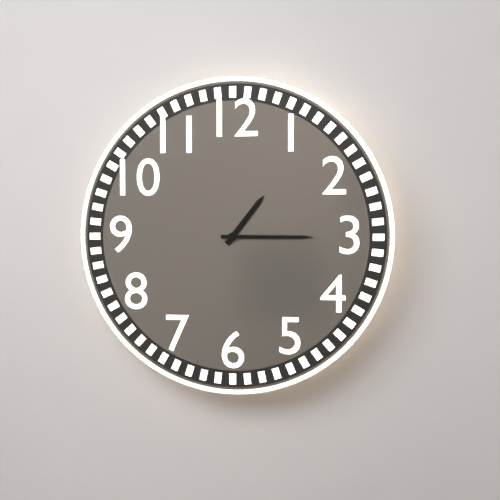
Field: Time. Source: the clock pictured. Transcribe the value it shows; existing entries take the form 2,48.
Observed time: 1,15
